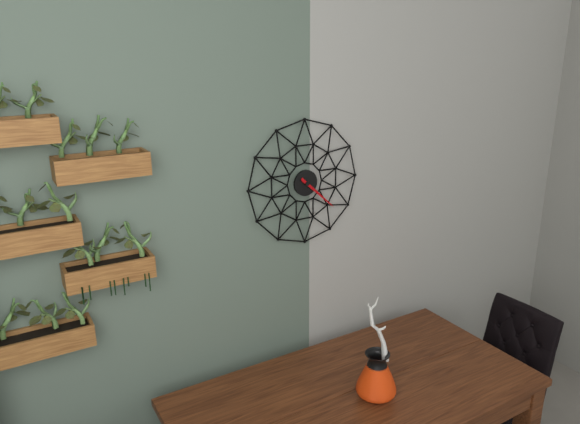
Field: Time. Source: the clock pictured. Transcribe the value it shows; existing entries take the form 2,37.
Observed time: 4,22
